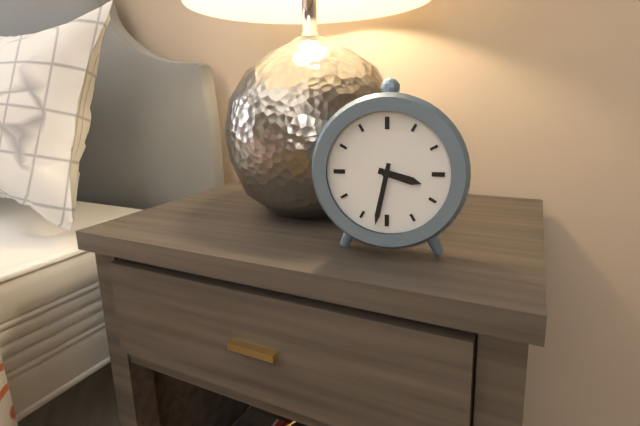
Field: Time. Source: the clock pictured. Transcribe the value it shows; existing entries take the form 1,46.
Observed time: 3,32
